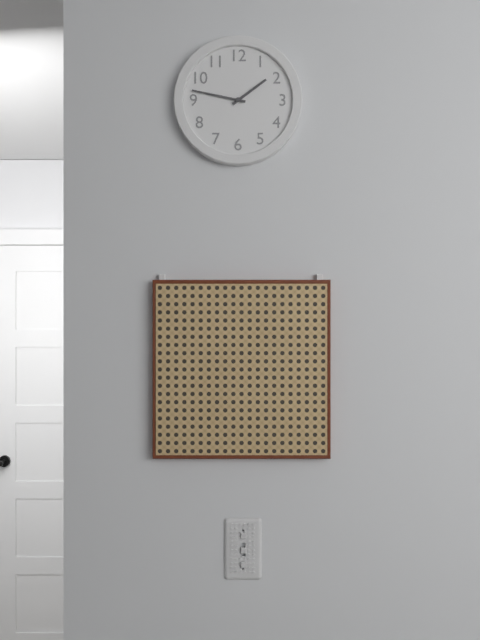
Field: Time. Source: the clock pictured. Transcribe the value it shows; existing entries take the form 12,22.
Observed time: 1,47
